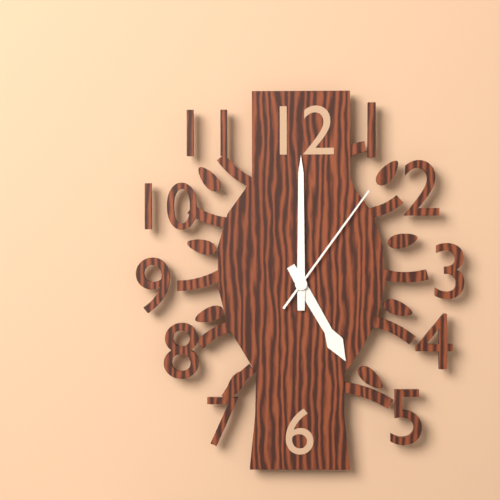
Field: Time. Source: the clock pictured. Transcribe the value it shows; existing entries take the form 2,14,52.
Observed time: 5,00,06
